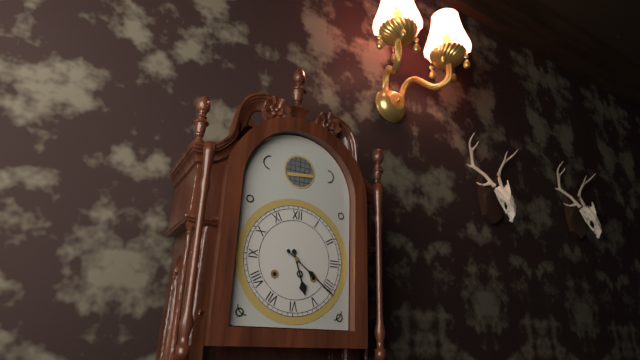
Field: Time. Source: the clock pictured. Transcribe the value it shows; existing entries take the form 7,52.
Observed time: 5,21
